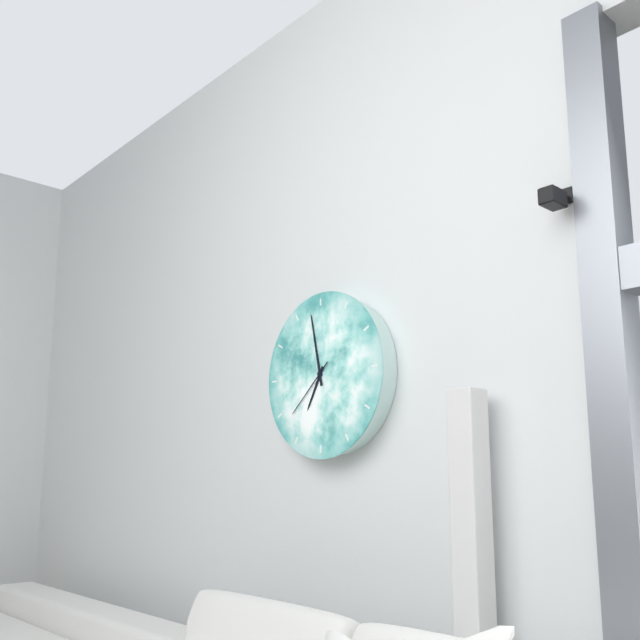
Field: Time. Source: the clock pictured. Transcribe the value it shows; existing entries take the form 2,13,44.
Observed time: 6,58,38
